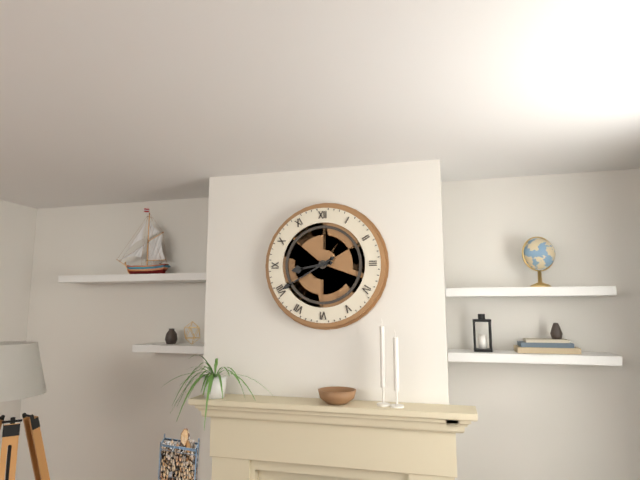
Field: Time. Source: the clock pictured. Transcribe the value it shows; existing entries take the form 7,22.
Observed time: 8,40
